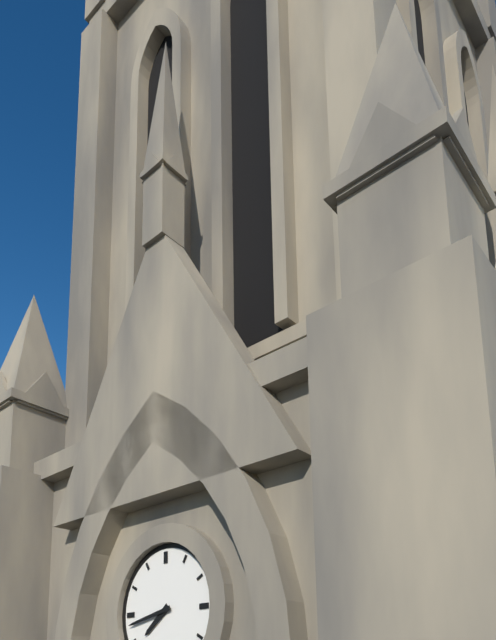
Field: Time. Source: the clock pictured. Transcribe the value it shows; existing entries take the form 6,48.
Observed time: 7,43
